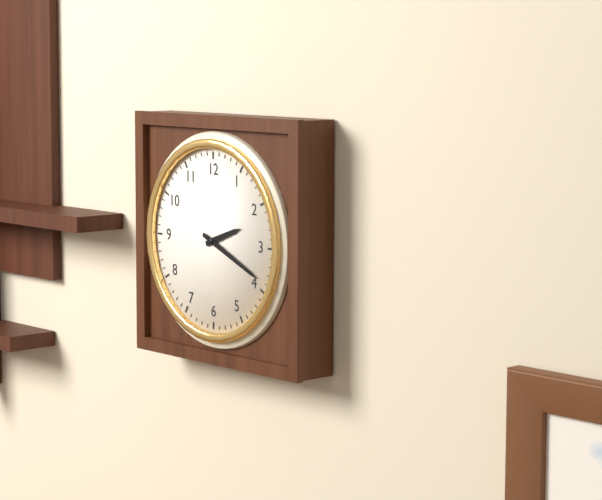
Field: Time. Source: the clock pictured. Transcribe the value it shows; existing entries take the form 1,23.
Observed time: 2,19
